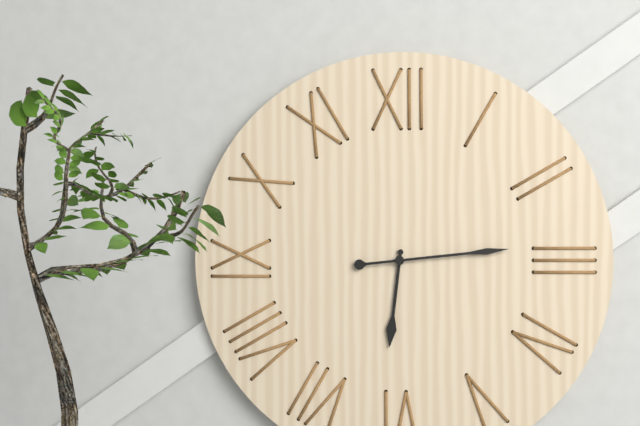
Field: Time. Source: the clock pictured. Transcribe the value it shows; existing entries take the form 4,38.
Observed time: 6,14
